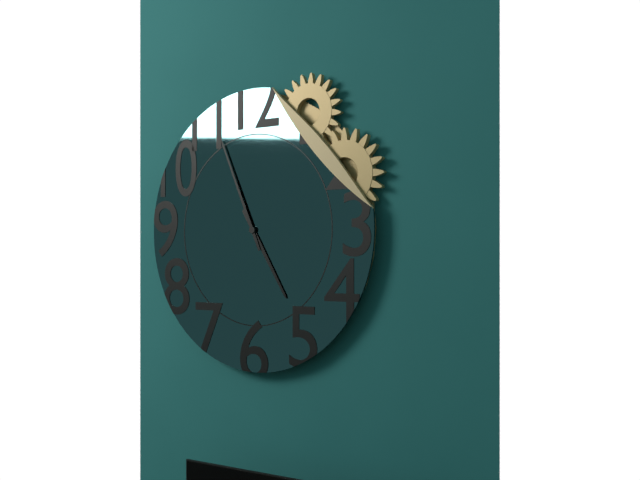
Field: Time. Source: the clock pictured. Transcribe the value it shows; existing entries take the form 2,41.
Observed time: 4,56
